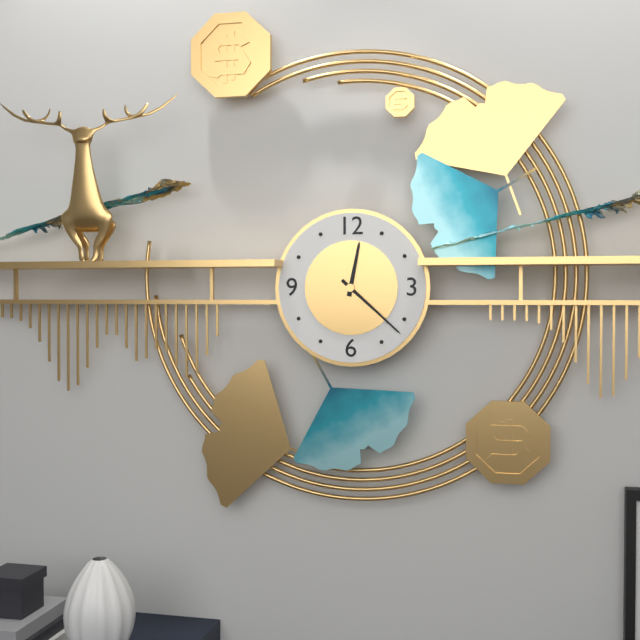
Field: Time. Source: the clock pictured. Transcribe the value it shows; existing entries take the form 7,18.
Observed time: 12,22
